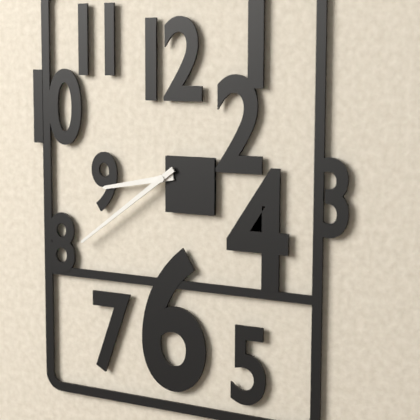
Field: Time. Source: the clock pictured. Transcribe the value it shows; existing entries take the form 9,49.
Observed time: 8,39
